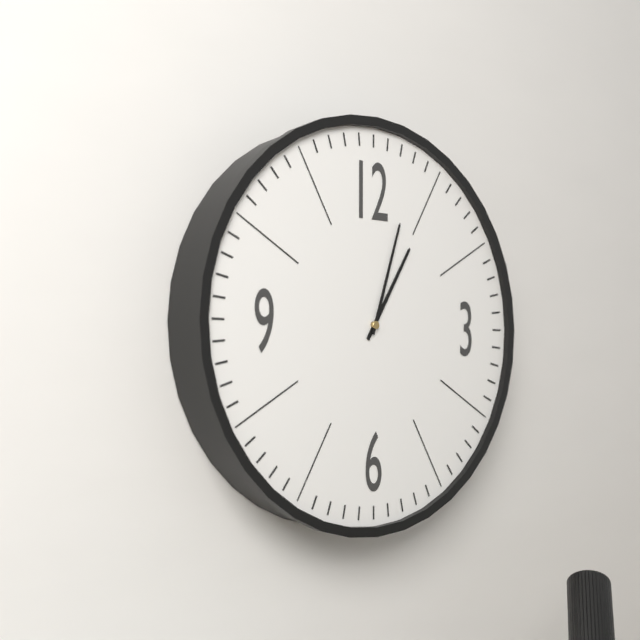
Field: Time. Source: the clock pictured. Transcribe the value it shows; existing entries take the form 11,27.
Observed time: 1,03
